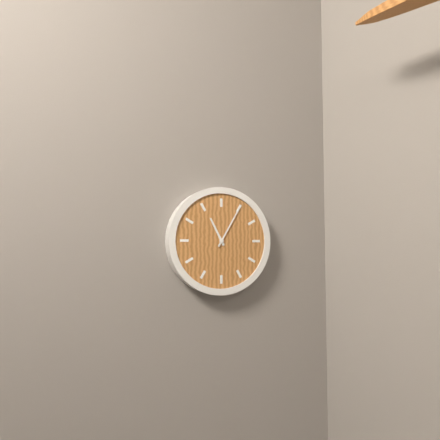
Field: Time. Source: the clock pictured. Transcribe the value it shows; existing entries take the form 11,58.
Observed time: 11,05
